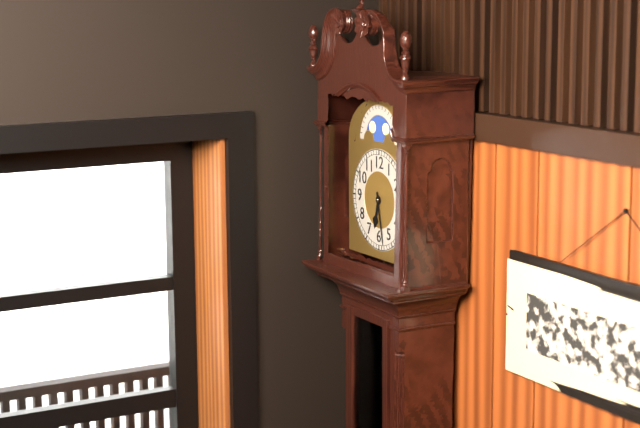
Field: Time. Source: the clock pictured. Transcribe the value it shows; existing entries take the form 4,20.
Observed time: 6,28
